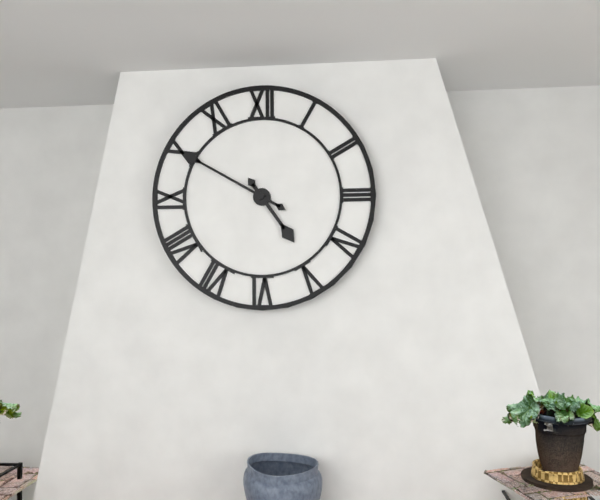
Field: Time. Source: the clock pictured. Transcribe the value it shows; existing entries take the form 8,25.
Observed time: 4,50
